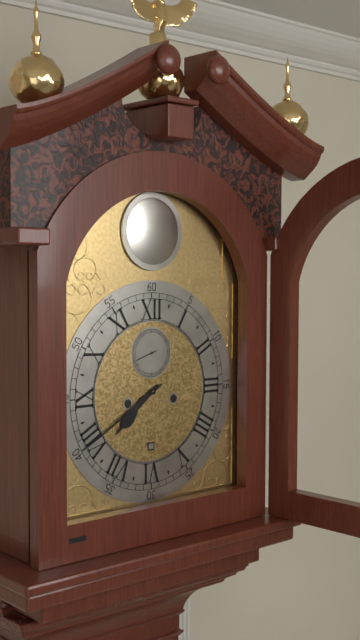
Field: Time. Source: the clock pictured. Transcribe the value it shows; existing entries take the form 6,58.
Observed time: 7,40
